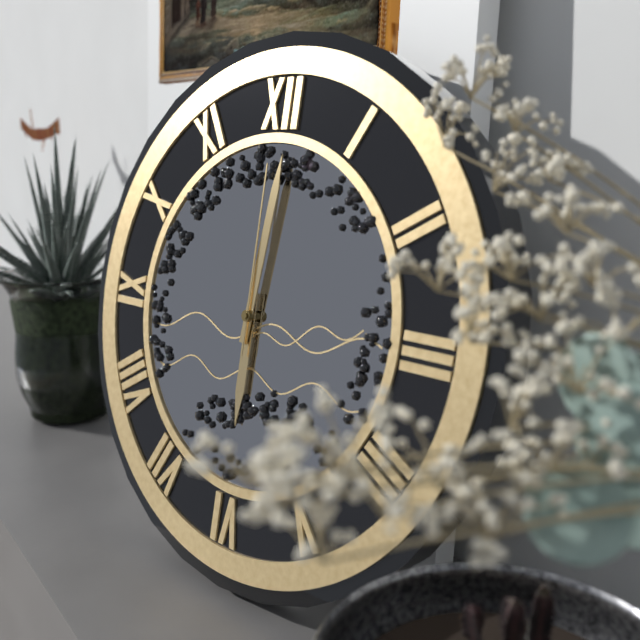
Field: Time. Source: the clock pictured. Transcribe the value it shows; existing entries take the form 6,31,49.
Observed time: 6,01,00
